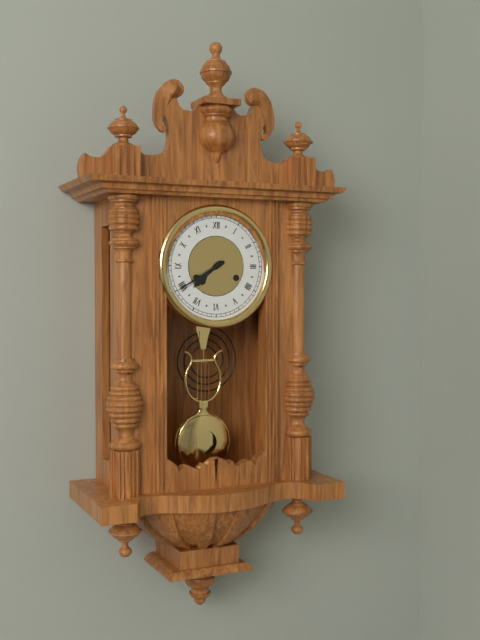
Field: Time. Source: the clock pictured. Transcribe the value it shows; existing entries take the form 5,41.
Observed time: 7,40
